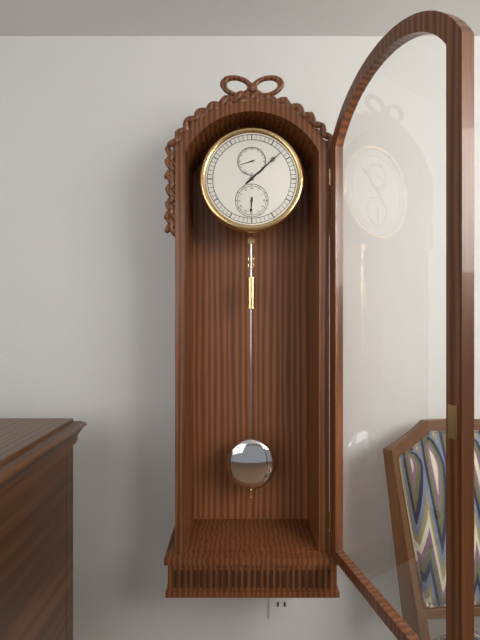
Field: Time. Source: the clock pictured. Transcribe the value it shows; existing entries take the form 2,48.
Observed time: 6,08
